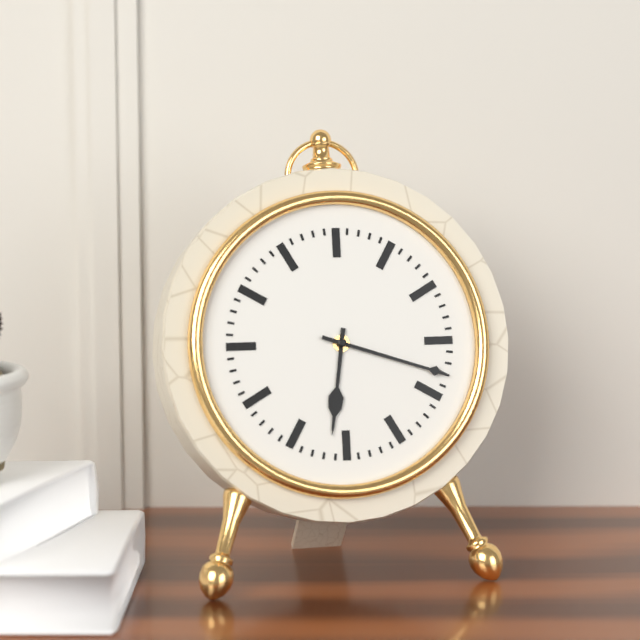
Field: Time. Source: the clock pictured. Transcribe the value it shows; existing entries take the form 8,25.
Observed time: 6,18
